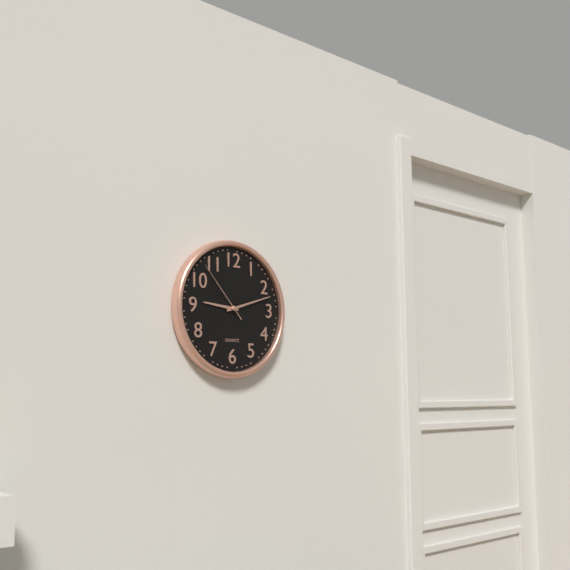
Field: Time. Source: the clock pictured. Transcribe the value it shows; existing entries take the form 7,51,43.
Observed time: 9,12,53
